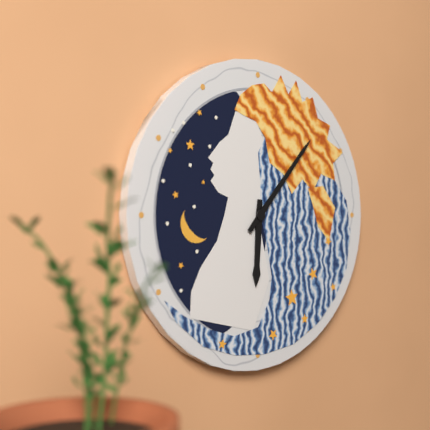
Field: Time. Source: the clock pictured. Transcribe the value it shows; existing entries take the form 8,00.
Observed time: 6,07
